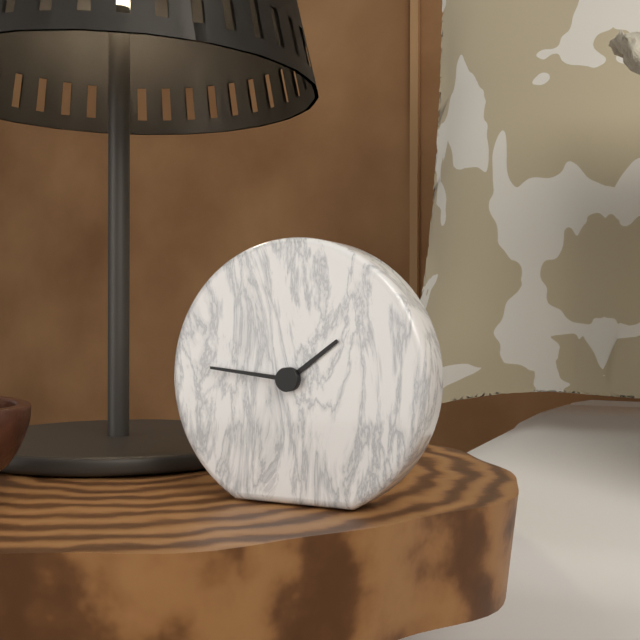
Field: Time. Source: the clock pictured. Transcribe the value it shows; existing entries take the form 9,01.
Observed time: 1,46
